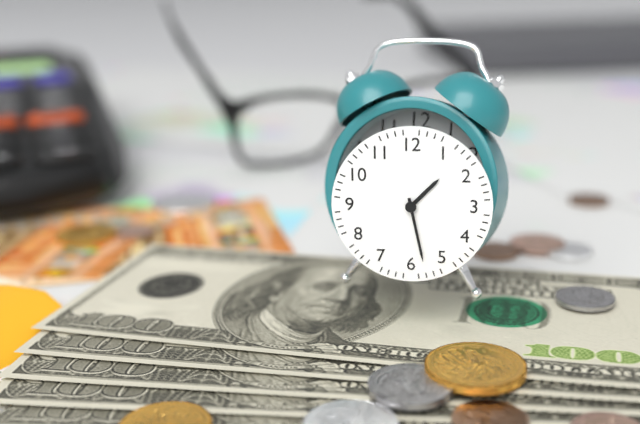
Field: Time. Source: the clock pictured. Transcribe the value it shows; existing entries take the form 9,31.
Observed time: 1,28
